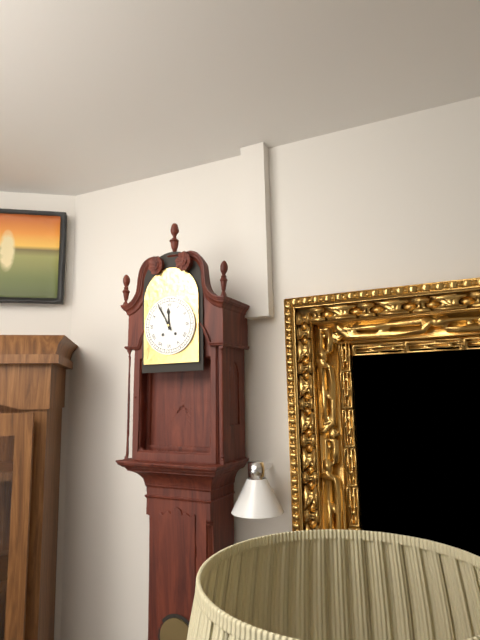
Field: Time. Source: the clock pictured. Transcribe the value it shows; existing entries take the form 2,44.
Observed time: 11,55
